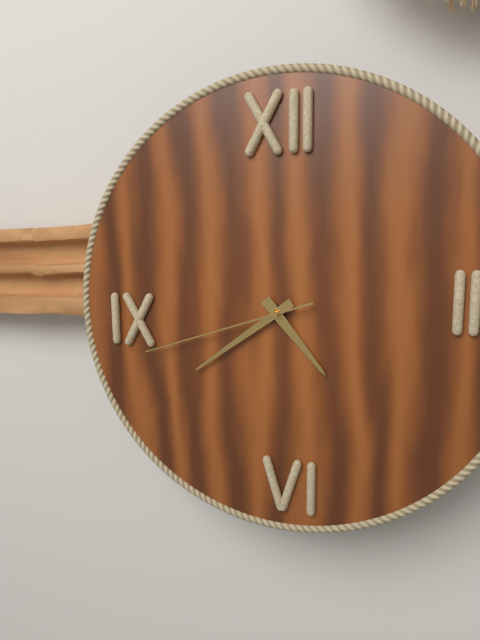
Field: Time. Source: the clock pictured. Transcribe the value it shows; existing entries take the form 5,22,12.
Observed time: 4,39,42
